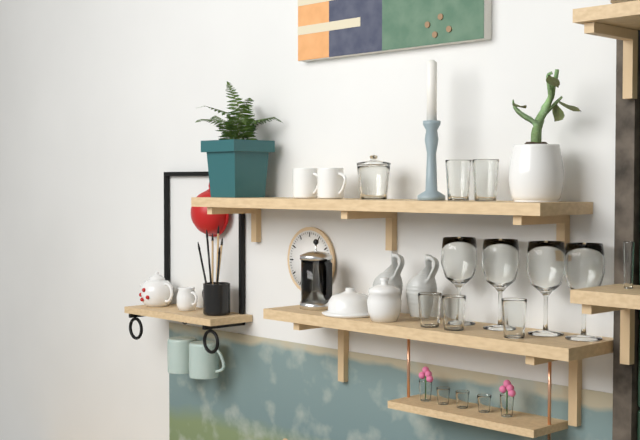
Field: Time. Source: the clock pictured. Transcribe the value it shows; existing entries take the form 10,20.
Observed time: 5,32
